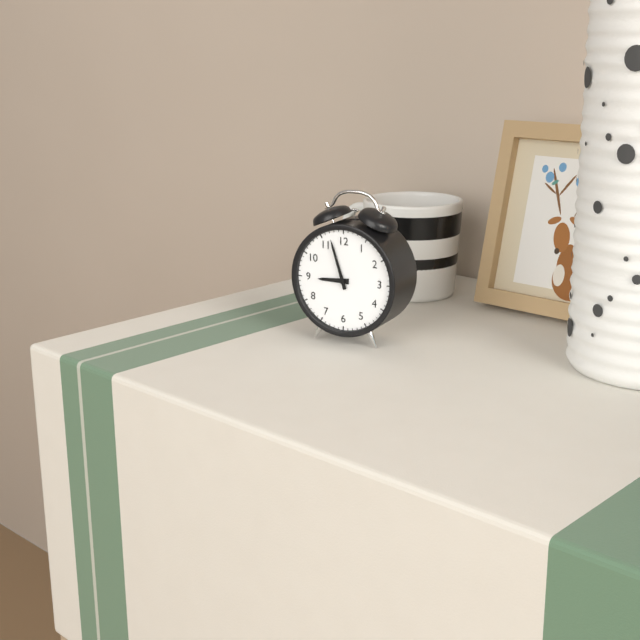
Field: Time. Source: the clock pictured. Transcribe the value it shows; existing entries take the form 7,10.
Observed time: 8,57
